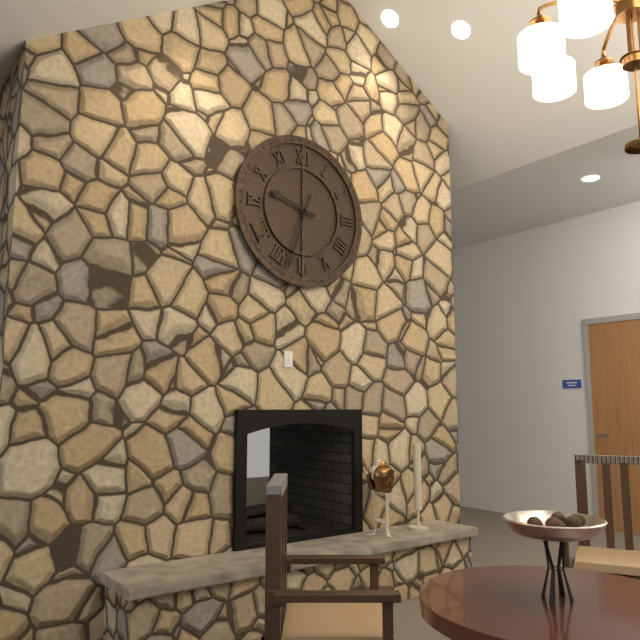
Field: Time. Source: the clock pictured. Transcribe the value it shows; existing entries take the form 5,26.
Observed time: 9,33
